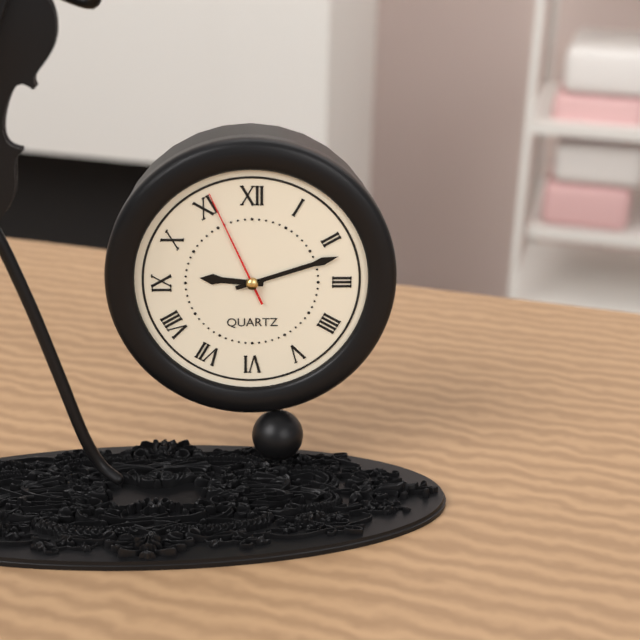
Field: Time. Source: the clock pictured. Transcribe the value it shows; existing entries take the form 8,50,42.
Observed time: 9,12,56
